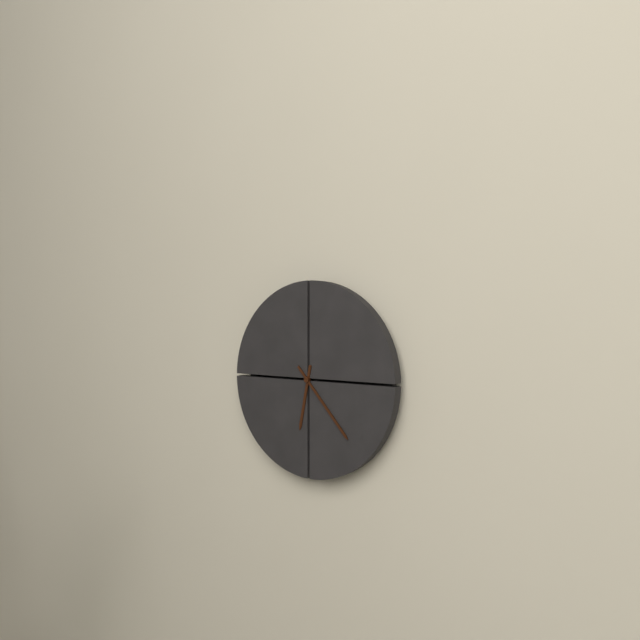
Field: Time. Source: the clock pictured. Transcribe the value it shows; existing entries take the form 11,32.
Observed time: 6,23
